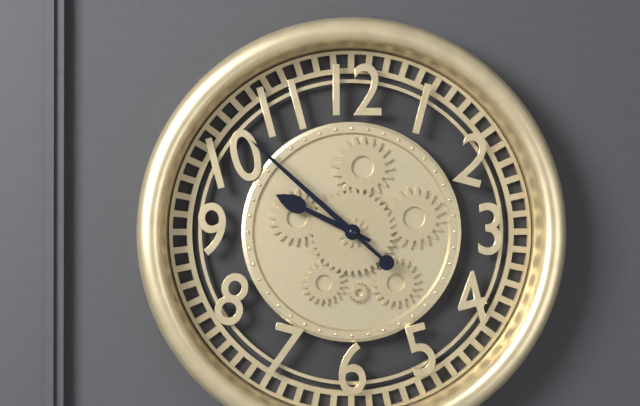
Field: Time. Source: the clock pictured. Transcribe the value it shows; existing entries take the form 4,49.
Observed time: 9,52
